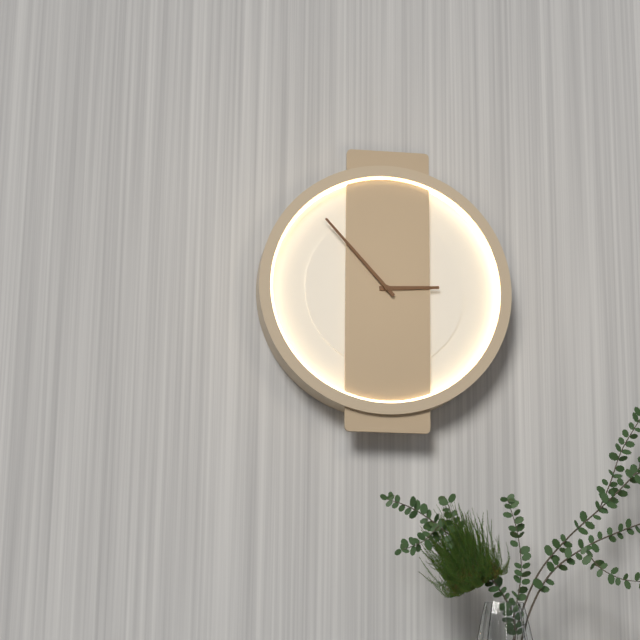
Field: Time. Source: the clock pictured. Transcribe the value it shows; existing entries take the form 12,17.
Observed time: 2,53
